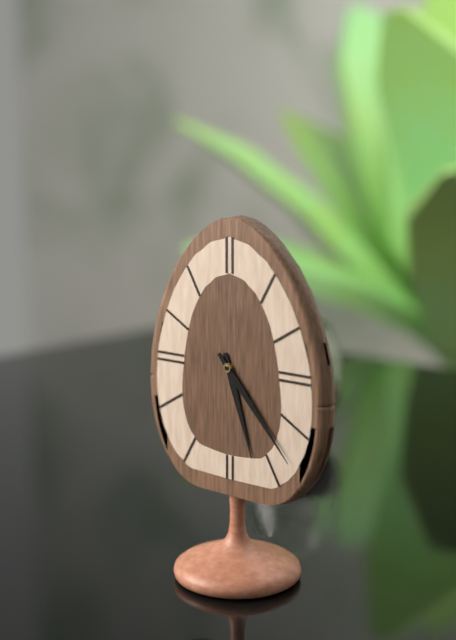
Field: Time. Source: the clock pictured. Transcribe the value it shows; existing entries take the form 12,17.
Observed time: 5,23
